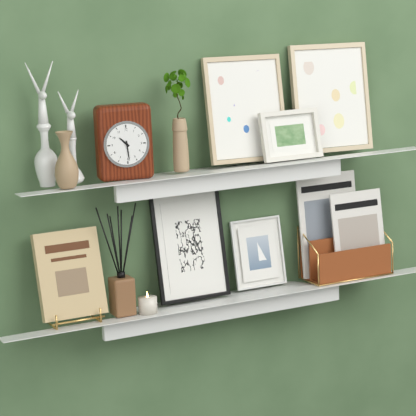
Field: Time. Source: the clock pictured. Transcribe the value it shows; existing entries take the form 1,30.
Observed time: 10,29
